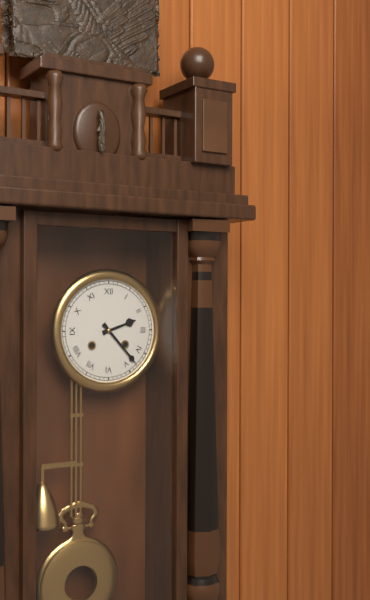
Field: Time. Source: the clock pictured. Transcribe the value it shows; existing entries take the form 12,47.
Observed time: 2,23
